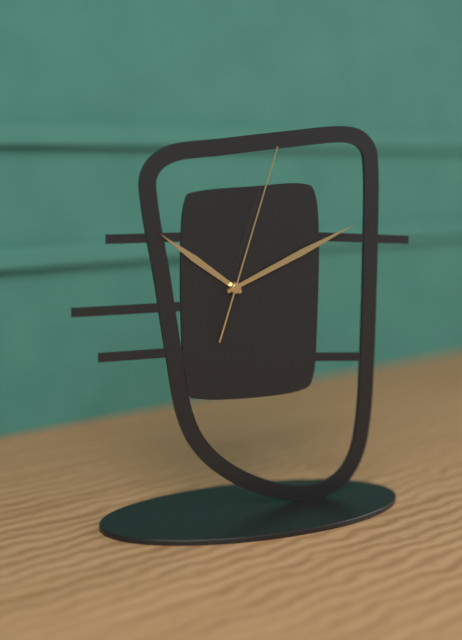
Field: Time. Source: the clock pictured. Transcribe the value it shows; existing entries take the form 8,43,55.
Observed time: 10,11,03
